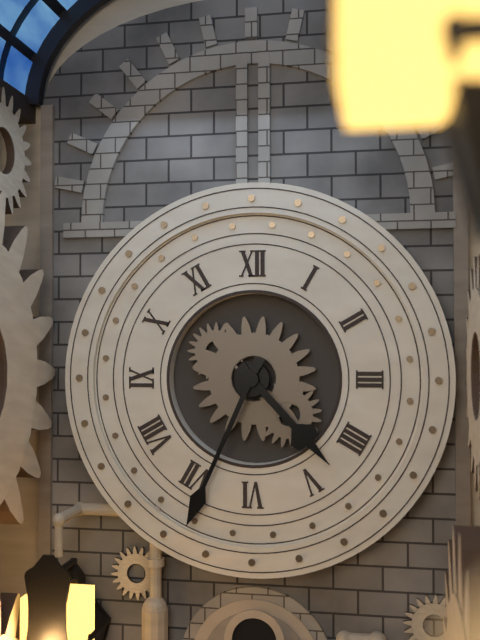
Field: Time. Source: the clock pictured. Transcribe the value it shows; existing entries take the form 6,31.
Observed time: 4,34
